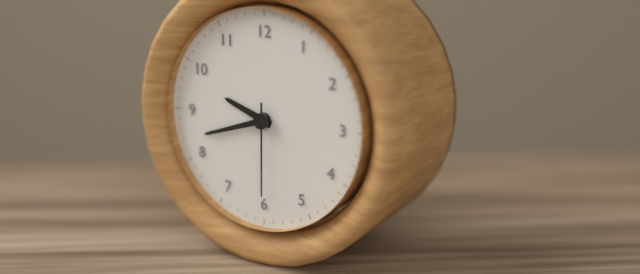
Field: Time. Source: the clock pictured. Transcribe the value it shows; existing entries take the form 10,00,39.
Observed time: 9,42,30
